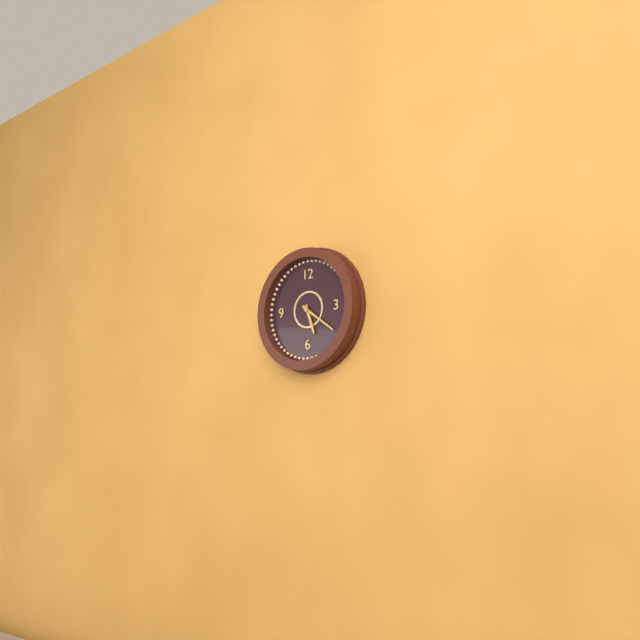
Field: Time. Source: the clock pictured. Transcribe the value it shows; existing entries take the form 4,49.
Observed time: 5,21
